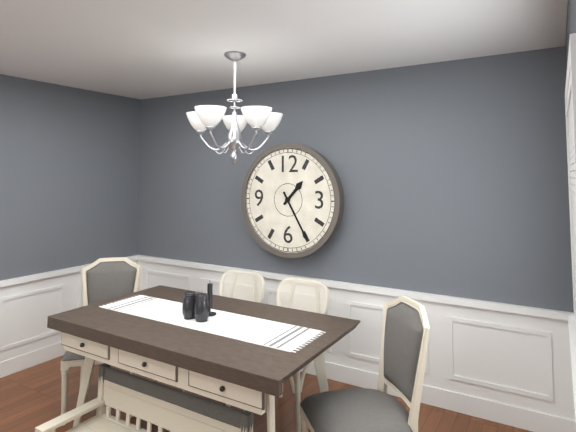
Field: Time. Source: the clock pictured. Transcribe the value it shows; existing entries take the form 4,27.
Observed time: 1,25
